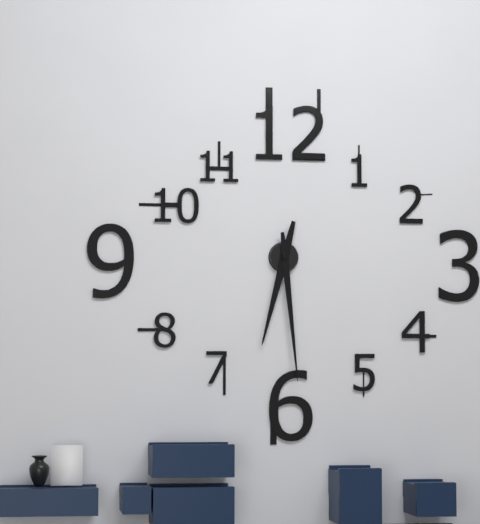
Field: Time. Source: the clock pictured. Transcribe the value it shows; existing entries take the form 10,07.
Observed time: 6,29
